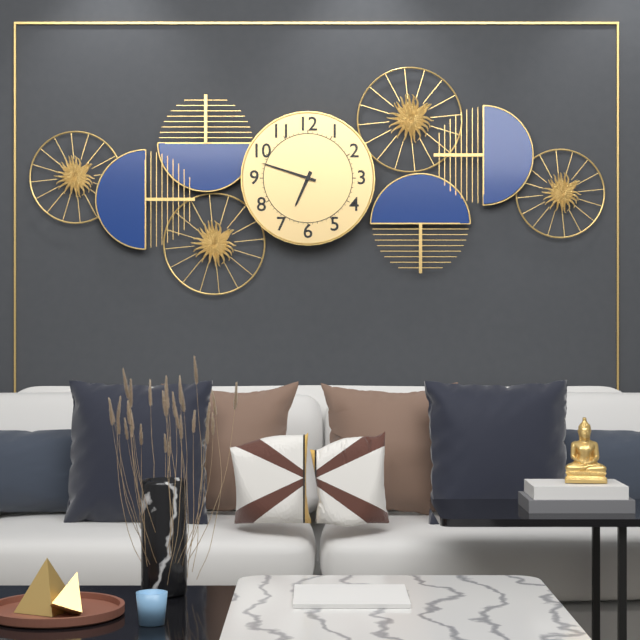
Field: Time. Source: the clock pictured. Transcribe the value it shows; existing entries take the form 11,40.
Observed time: 6,48
